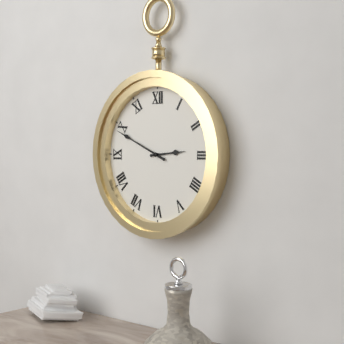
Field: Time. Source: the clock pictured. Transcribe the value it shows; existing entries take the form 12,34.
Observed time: 2,49
